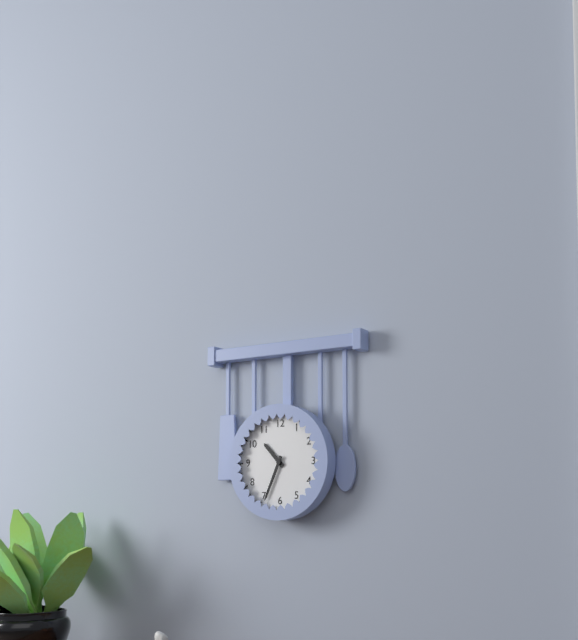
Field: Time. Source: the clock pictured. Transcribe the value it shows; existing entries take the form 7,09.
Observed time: 10,34
